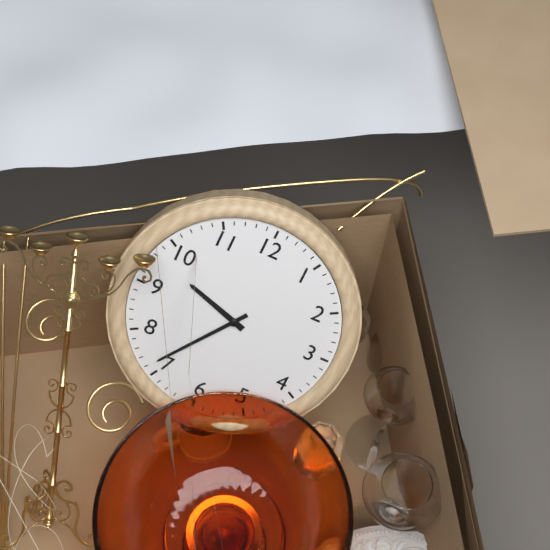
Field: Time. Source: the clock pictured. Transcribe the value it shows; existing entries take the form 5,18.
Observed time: 9,36
